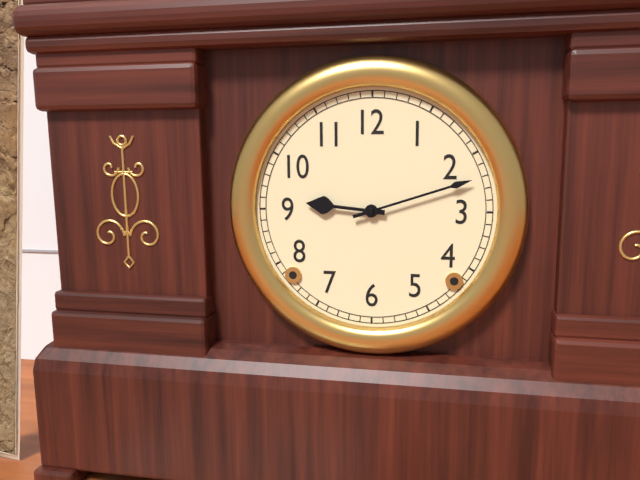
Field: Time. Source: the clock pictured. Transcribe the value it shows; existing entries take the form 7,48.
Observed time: 9,12
